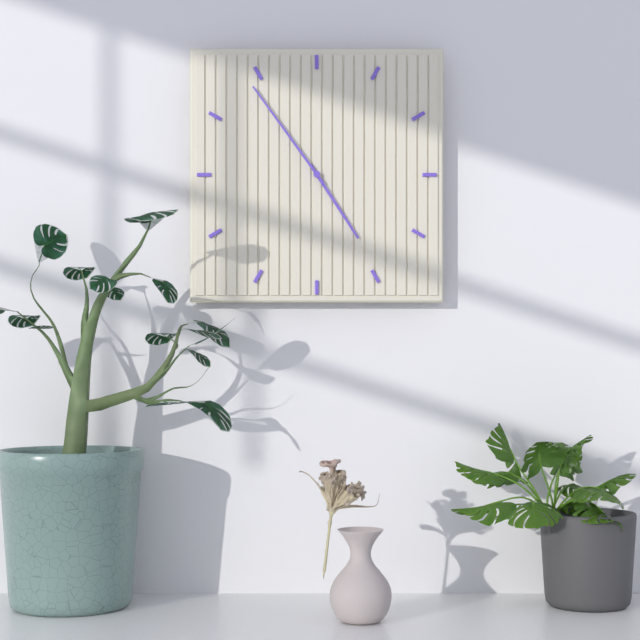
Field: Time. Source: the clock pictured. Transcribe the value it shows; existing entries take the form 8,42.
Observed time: 4,54
